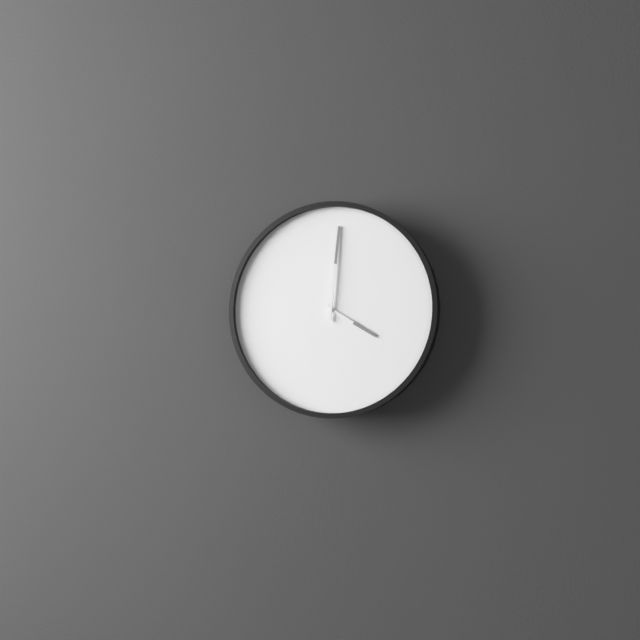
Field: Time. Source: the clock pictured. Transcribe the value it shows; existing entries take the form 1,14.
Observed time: 4,01
